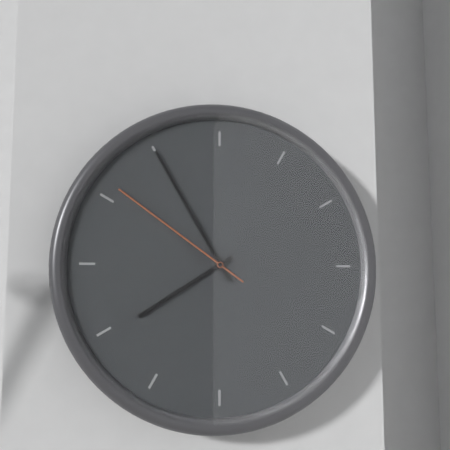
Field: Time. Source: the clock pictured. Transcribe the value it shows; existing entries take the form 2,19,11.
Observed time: 7,55,51
